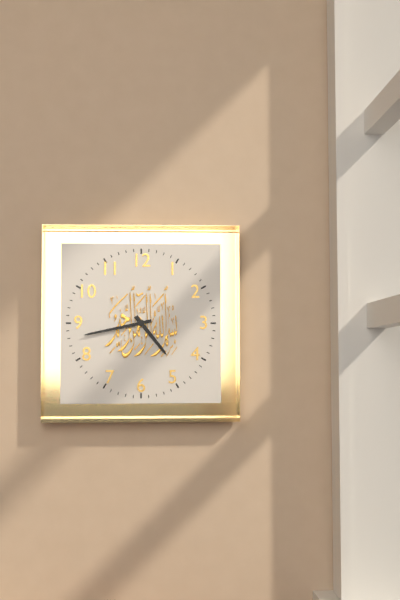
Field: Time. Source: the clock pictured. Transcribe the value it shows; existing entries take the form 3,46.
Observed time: 4,43
